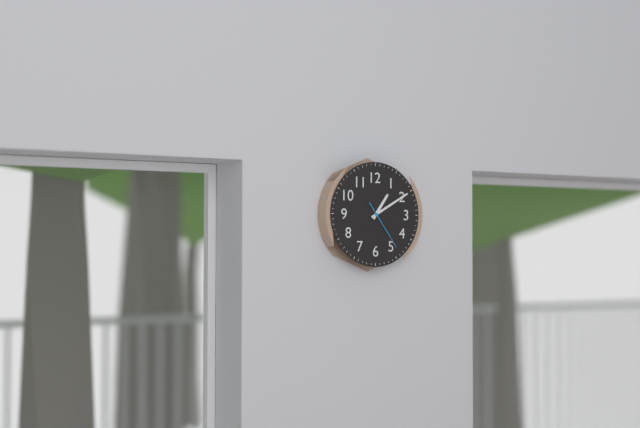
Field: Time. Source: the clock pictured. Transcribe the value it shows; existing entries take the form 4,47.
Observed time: 1,10
